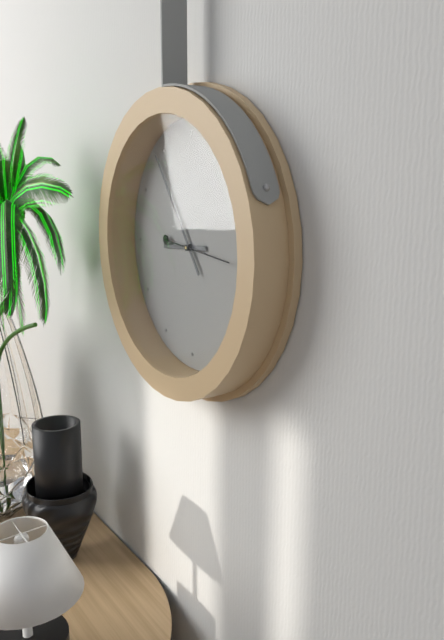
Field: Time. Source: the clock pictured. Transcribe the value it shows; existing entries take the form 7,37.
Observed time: 8,54
